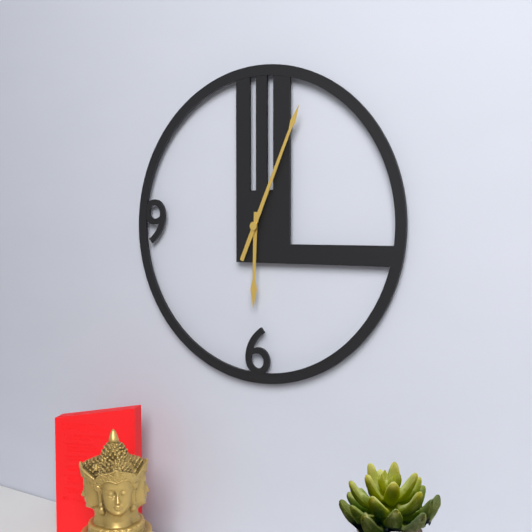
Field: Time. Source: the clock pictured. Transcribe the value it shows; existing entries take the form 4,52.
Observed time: 6,04
